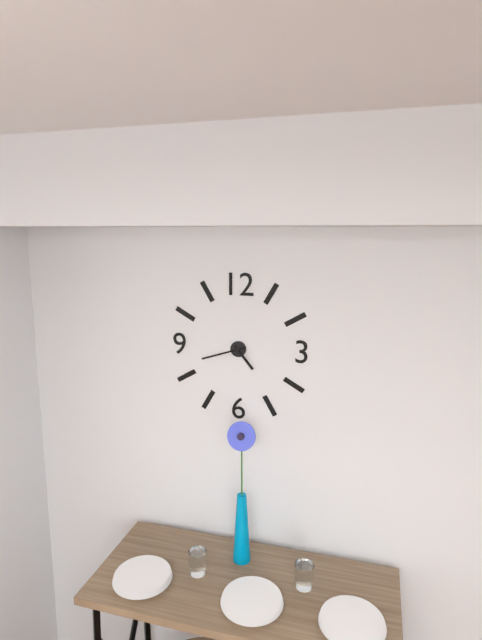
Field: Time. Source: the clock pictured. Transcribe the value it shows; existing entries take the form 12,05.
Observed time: 4,42
